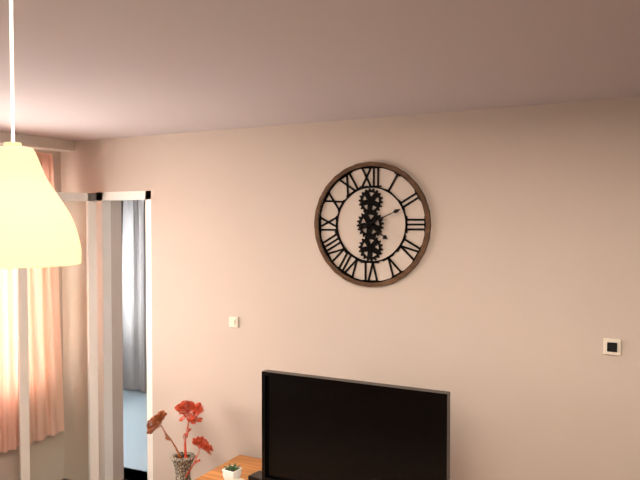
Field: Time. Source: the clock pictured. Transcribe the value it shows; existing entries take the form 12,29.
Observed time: 4,11
